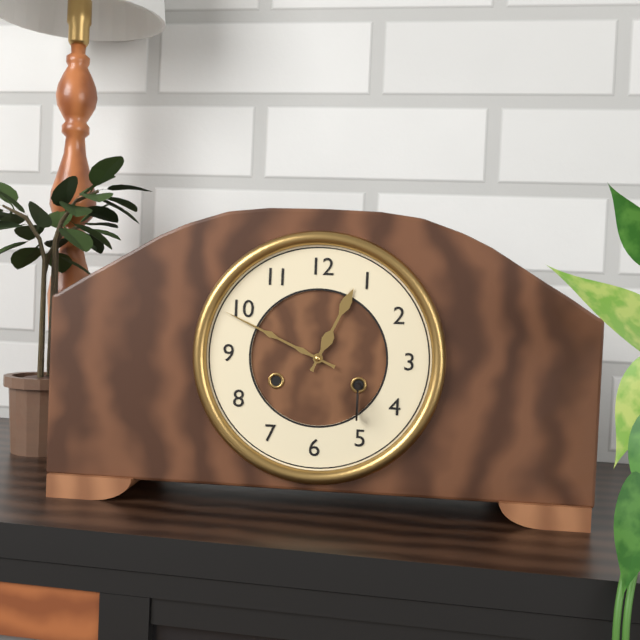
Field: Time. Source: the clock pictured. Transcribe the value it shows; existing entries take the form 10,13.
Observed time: 12,49
